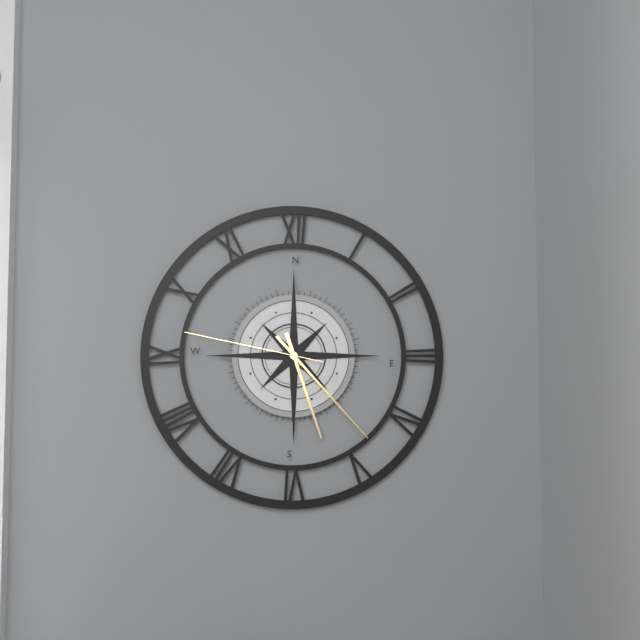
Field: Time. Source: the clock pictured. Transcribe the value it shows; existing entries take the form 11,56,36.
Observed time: 5,23,47
